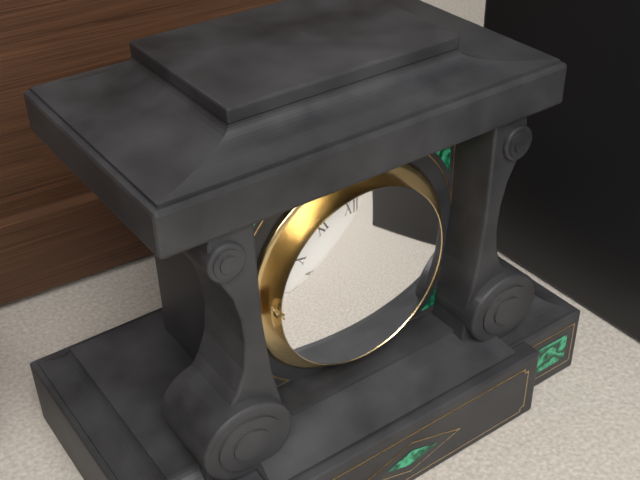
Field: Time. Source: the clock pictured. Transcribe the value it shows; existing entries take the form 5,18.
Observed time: 9,33
